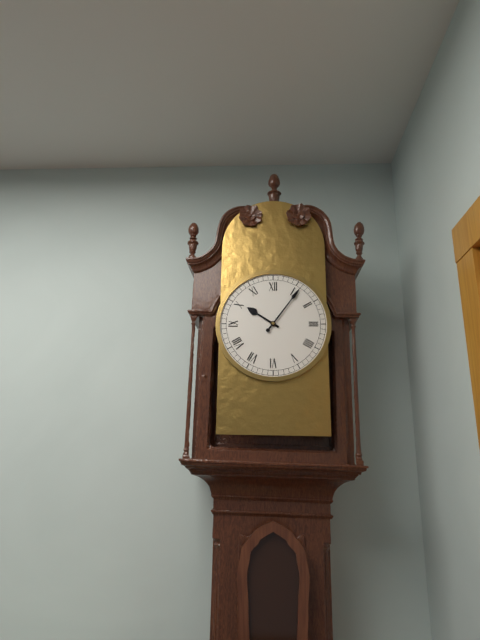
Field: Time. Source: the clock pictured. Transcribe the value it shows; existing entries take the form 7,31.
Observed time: 10,06
